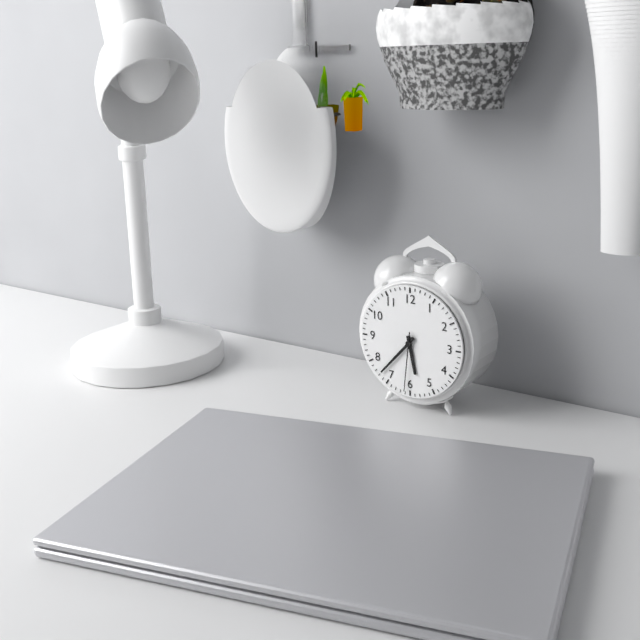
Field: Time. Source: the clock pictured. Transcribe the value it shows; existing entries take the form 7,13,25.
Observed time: 5,37,31
